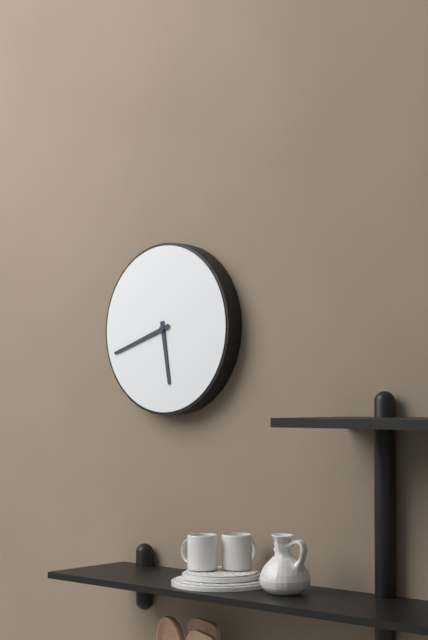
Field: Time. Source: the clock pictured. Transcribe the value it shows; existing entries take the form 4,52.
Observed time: 5,42
